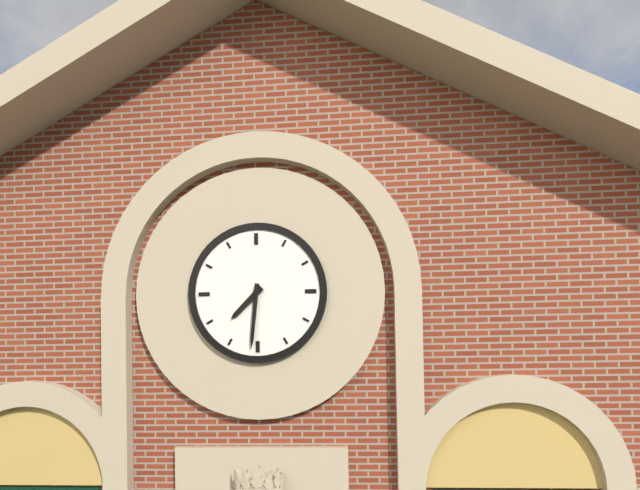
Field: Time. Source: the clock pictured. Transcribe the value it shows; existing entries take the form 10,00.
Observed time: 7,31
